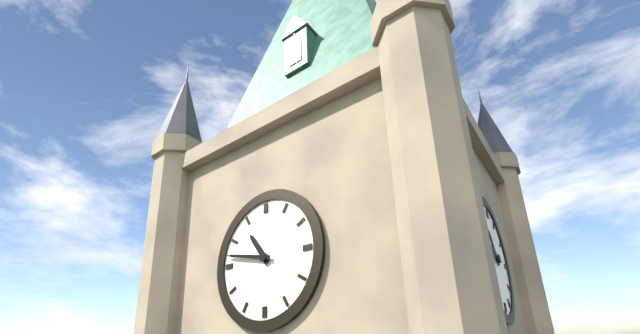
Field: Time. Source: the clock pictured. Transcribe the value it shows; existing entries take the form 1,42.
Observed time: 10,47
